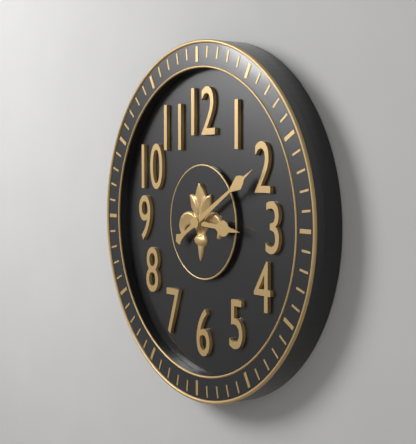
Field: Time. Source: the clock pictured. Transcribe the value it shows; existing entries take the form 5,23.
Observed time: 3,10
